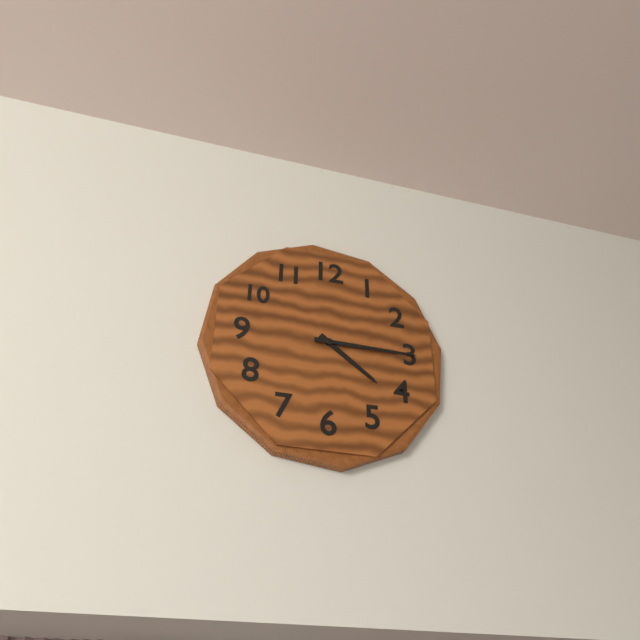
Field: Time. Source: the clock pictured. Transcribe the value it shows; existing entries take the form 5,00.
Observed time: 4,15
